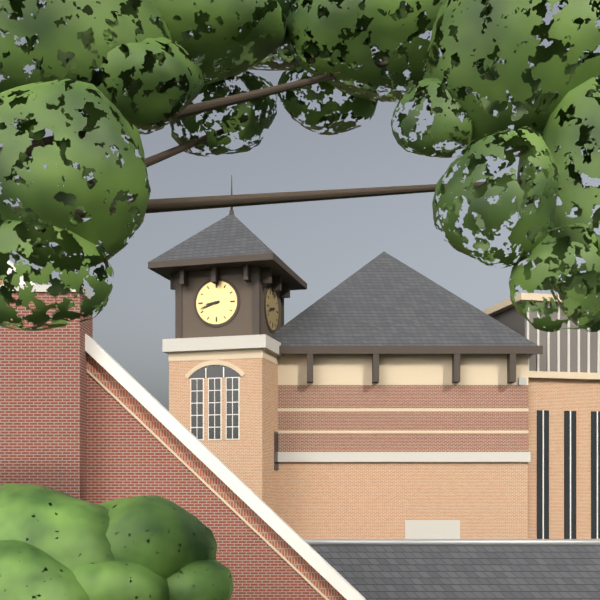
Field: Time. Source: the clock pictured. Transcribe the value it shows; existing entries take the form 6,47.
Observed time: 8,42
